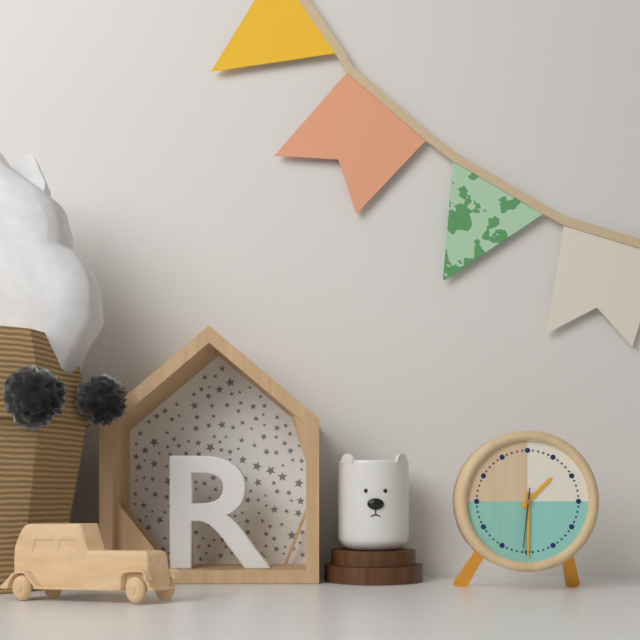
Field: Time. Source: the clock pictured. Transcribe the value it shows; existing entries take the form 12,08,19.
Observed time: 1,30,31
